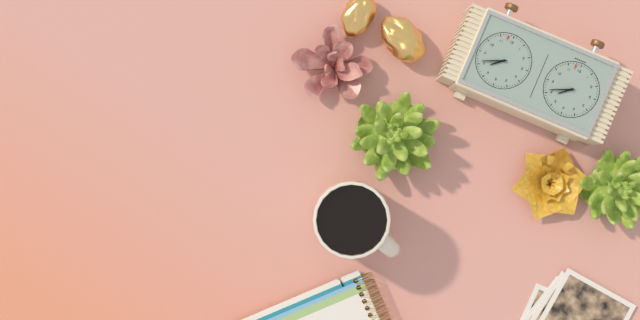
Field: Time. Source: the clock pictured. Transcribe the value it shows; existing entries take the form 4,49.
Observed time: 7,41
